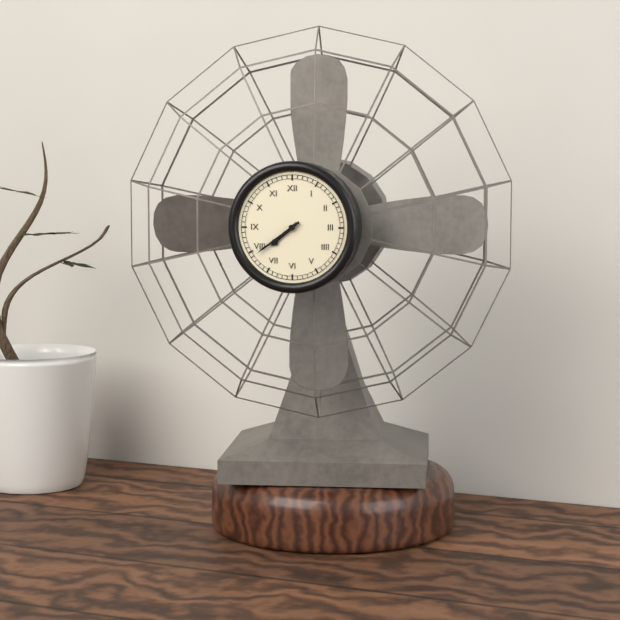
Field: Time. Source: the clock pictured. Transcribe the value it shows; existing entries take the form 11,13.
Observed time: 7,39
